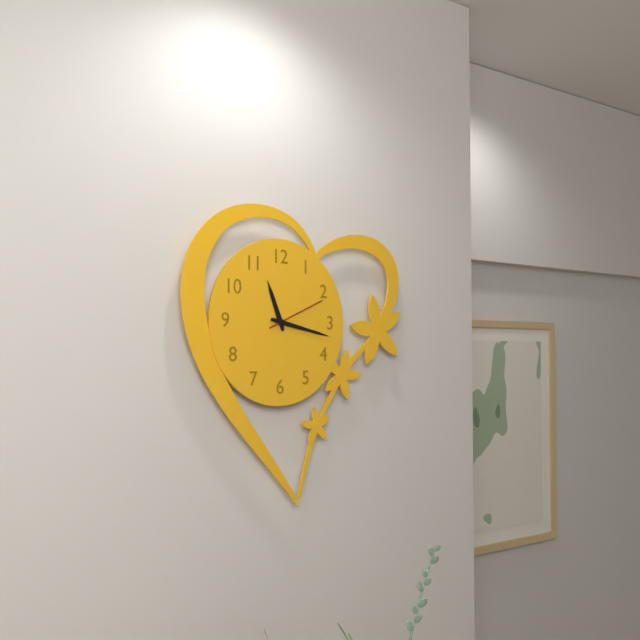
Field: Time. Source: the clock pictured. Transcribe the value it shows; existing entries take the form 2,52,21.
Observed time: 11,17,11
